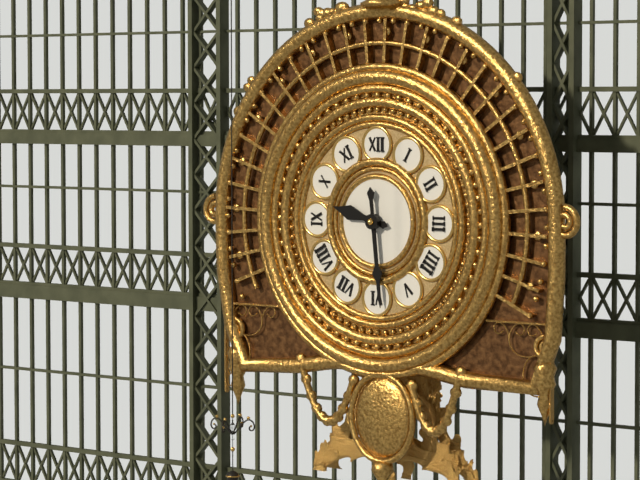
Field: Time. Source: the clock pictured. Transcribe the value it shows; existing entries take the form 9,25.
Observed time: 9,29
